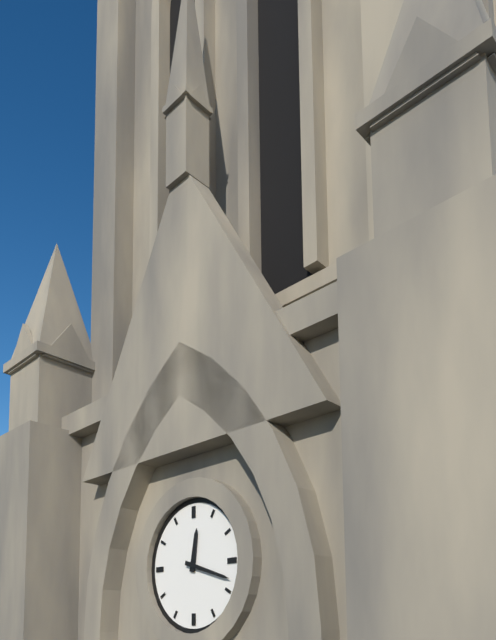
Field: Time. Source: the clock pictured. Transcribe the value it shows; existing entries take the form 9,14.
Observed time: 12,18
